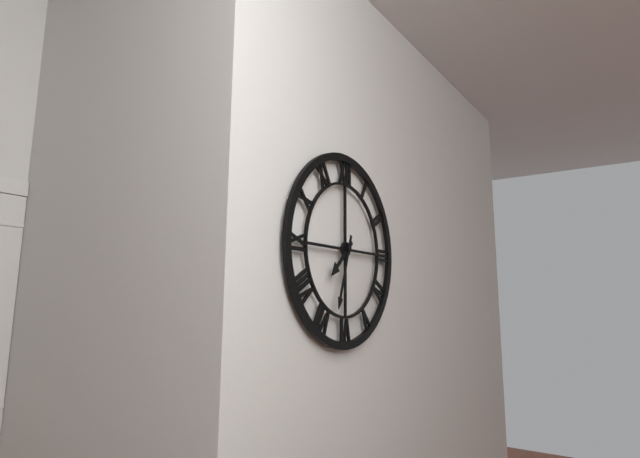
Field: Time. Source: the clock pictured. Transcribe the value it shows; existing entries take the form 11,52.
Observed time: 7,33
